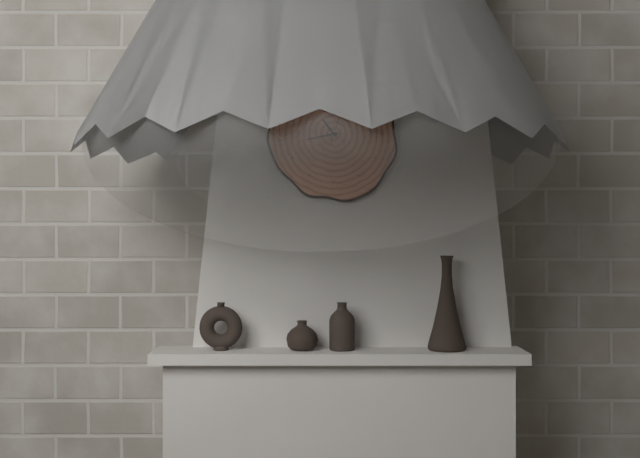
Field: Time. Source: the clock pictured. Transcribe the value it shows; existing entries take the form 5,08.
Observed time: 10,43
